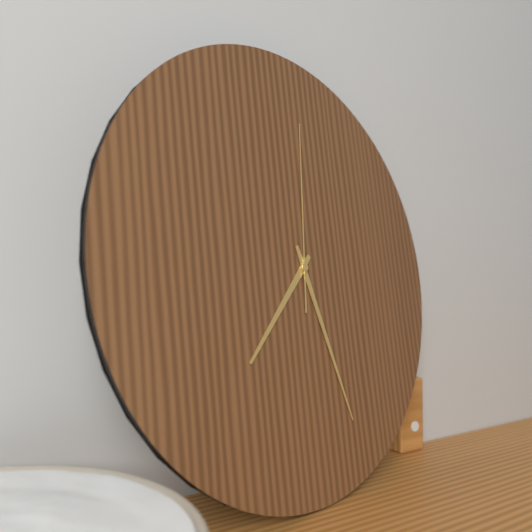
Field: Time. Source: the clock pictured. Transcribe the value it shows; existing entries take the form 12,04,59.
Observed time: 7,27,01
